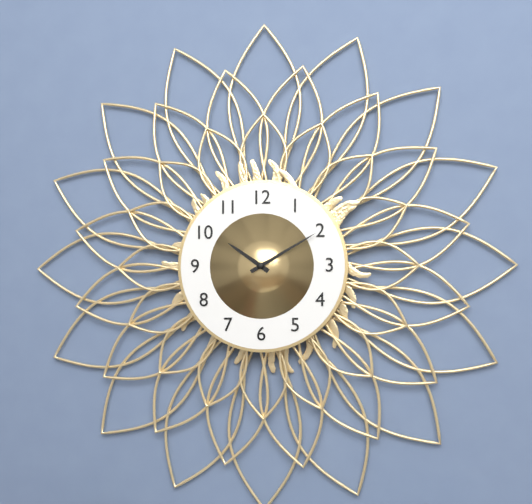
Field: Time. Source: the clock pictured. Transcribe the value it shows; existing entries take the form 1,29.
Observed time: 10,10
